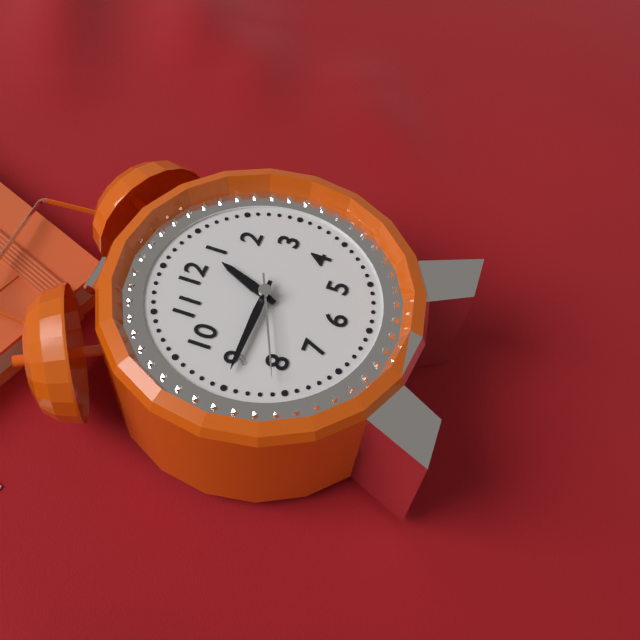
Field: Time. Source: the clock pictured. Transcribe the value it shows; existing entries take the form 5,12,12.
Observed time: 12,45,41
